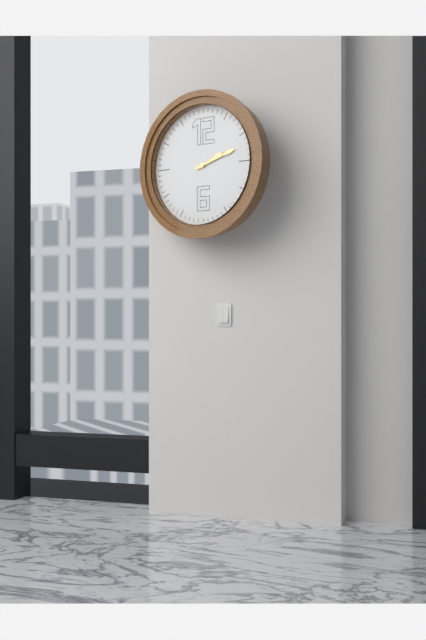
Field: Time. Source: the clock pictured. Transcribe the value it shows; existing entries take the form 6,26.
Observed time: 2,12
